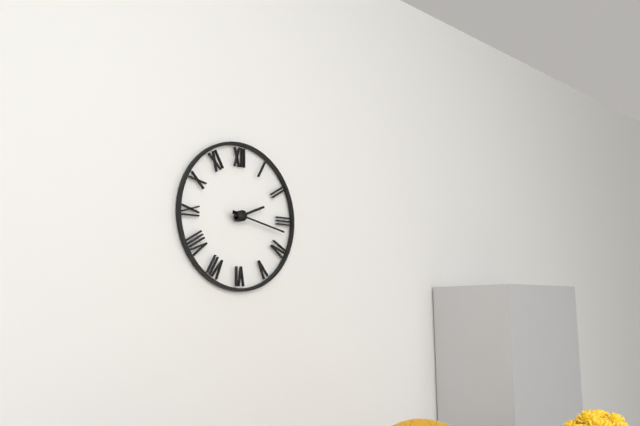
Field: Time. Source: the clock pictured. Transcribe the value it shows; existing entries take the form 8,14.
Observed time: 2,17
